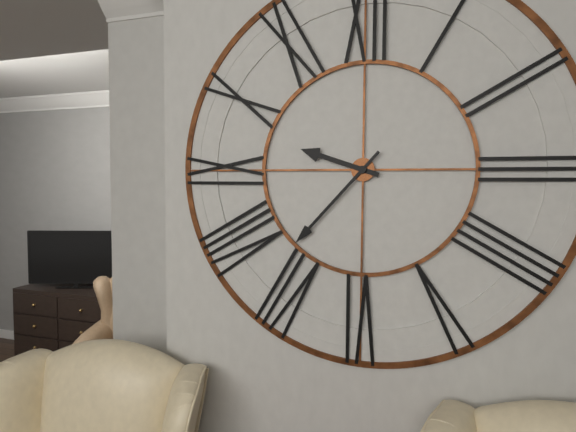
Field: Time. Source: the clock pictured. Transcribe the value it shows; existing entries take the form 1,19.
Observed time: 9,37
